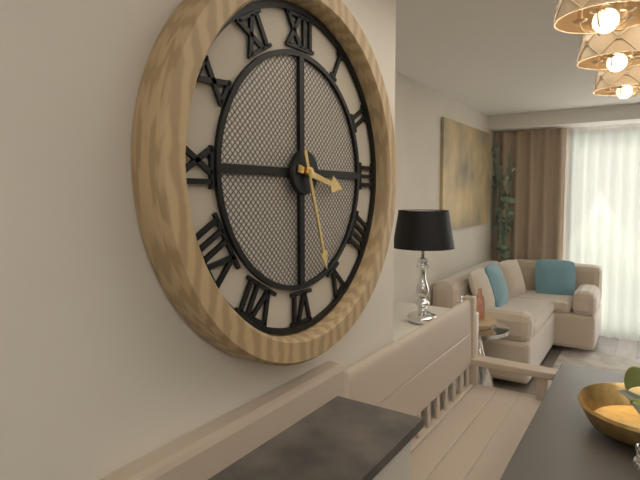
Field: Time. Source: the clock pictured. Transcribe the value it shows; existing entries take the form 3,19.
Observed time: 3,27
